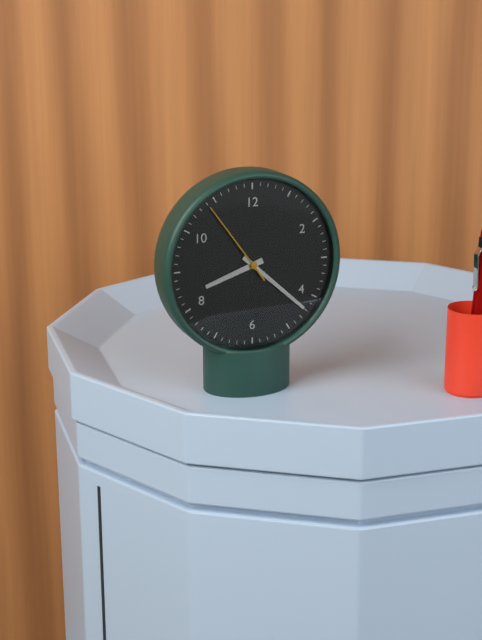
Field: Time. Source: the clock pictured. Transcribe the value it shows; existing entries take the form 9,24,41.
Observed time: 8,22,54
